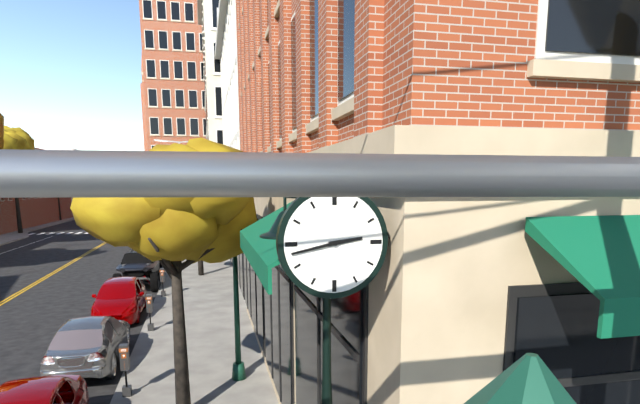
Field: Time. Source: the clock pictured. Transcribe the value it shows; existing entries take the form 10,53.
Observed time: 2,43
